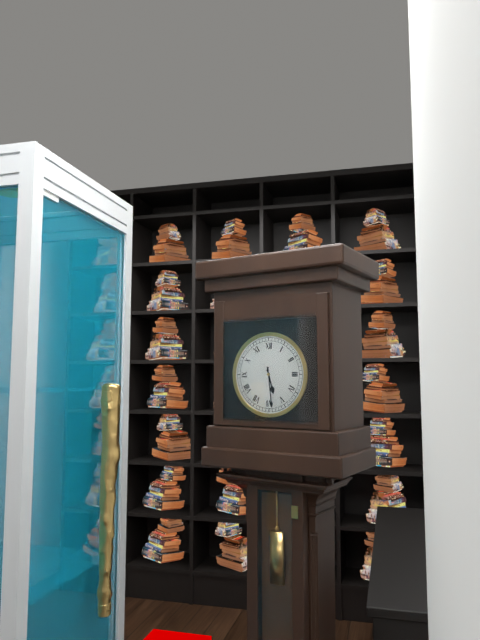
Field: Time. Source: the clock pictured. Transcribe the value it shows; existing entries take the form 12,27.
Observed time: 5,29
